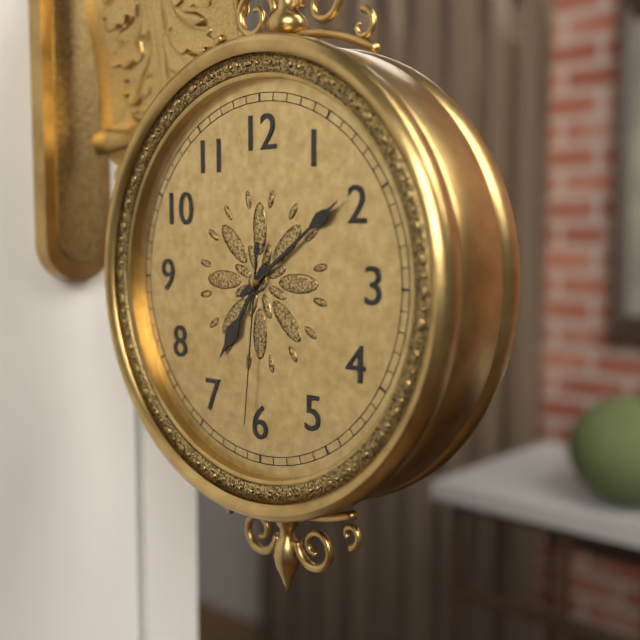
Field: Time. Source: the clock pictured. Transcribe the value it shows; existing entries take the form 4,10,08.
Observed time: 7,09,31
